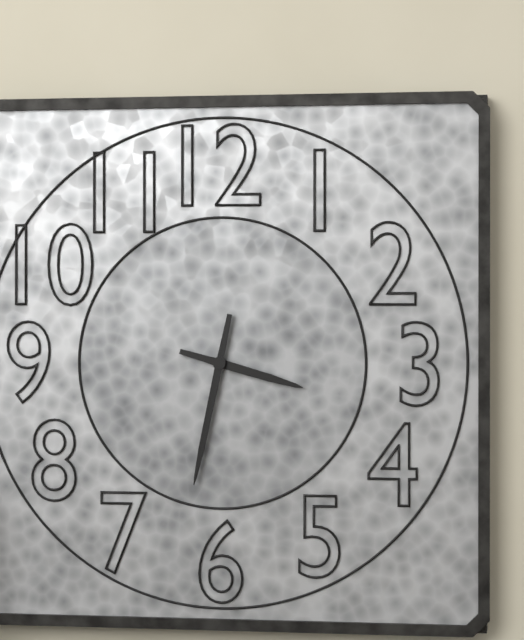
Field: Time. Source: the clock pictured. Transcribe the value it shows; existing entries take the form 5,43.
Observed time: 3,32
